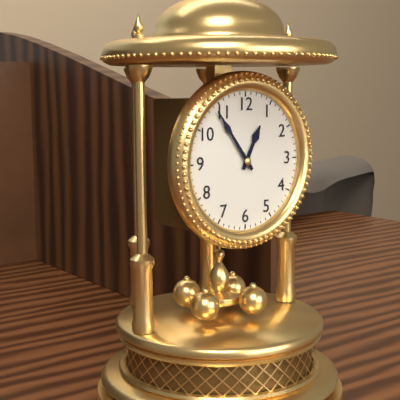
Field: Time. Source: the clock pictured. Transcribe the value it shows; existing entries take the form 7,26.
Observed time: 12,54
